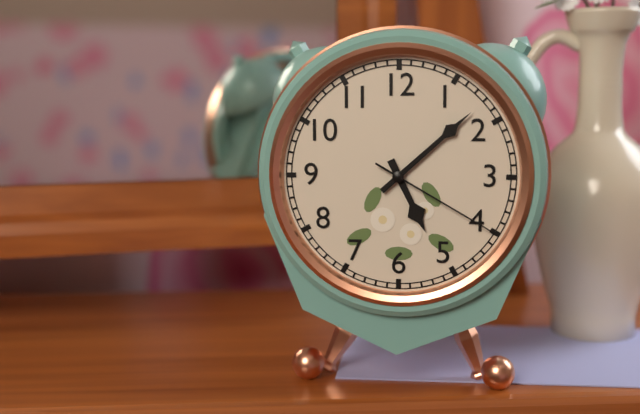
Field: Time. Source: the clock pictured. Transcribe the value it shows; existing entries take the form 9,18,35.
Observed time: 5,08,20
